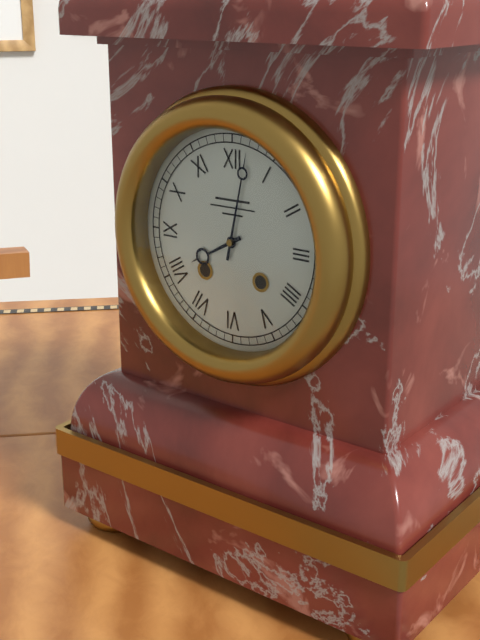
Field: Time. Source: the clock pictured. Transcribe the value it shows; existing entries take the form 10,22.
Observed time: 8,02
